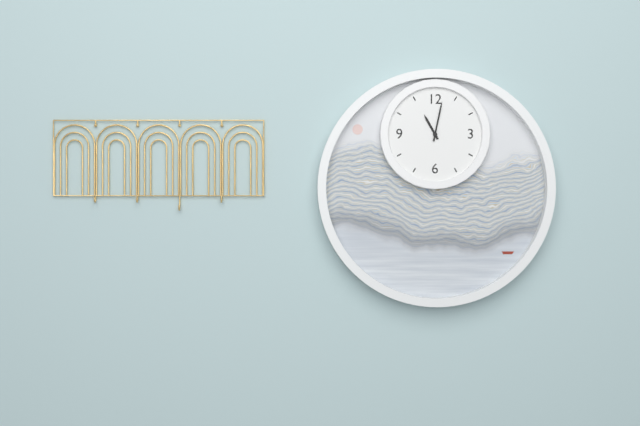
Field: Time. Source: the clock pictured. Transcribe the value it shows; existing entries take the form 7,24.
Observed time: 11,02
